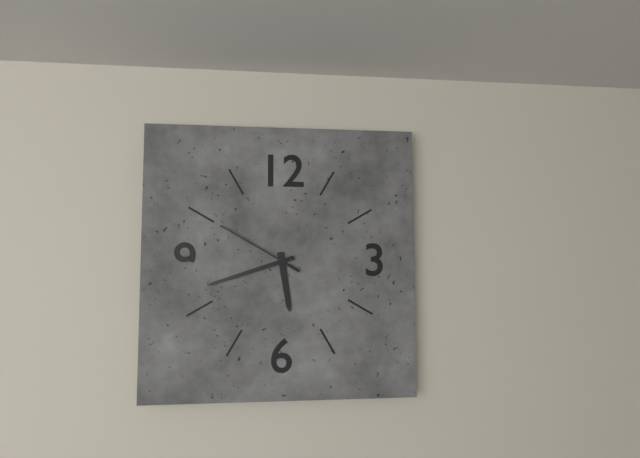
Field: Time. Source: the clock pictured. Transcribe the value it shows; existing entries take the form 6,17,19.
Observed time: 5,42,50
